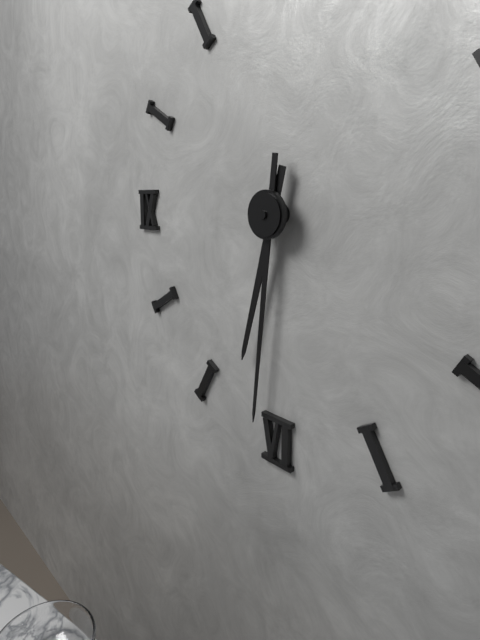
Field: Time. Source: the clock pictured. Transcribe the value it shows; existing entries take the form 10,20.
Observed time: 6,31
